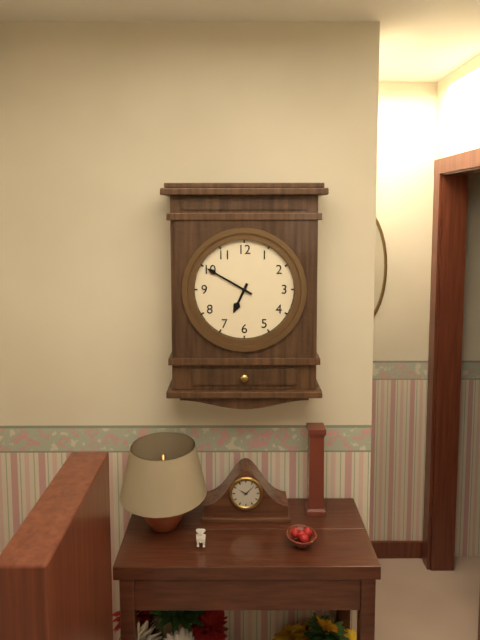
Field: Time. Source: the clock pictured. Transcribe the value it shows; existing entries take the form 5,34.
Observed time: 6,50
